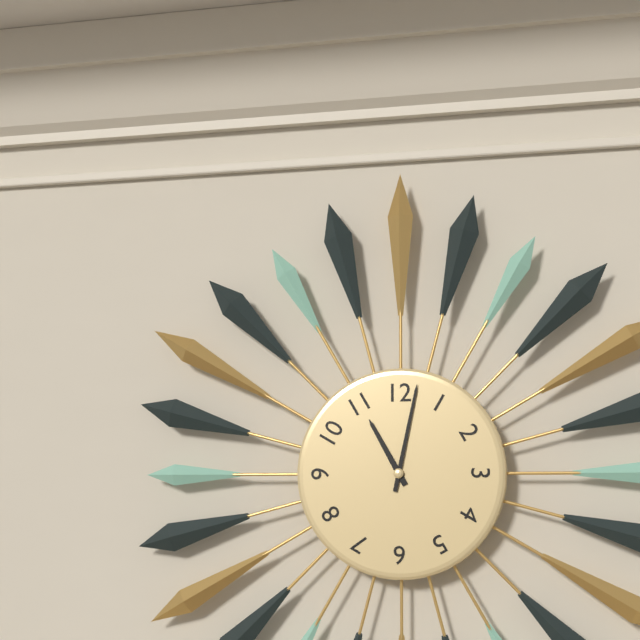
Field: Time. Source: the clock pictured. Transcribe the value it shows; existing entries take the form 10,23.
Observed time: 11,02
